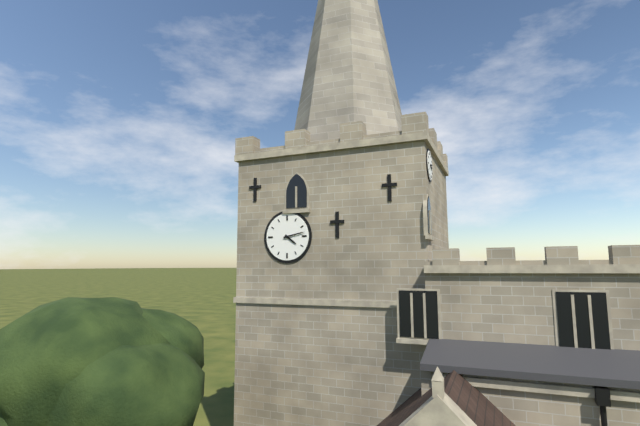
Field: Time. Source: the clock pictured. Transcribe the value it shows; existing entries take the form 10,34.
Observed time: 4,13
